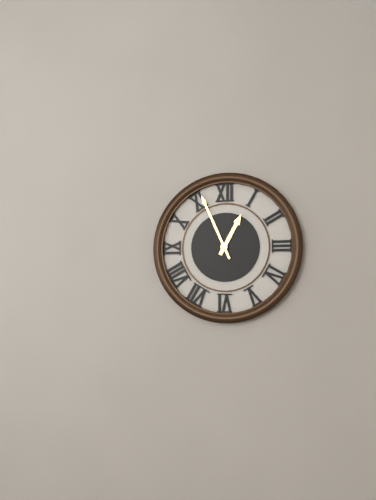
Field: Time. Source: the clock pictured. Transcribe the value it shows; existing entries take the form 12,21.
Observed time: 12,56
